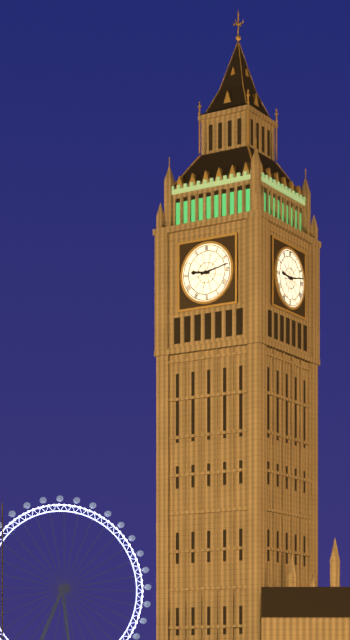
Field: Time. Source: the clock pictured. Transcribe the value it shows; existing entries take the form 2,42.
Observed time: 9,13
